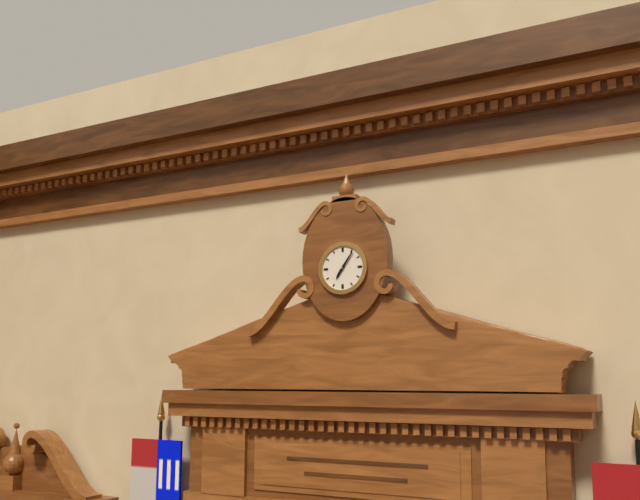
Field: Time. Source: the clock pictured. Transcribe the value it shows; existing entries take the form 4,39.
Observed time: 7,06
